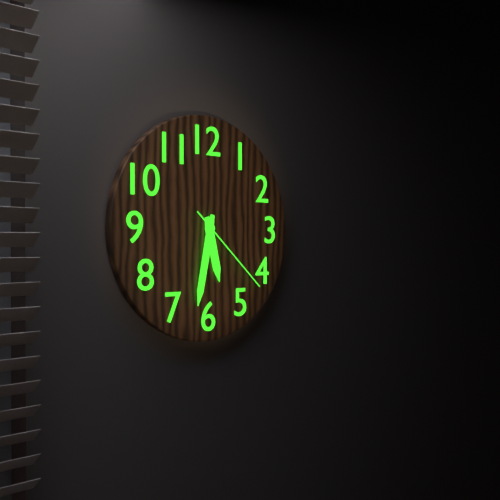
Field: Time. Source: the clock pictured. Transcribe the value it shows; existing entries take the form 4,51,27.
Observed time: 5,32,22
